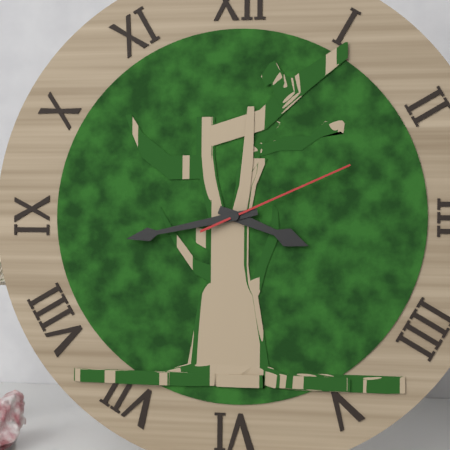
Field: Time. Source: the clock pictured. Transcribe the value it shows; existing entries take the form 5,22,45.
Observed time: 3,43,11
